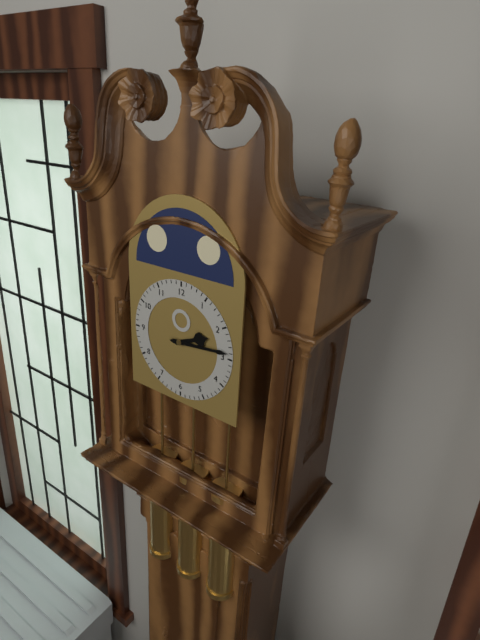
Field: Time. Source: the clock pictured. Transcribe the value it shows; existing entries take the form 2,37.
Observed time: 2,14
